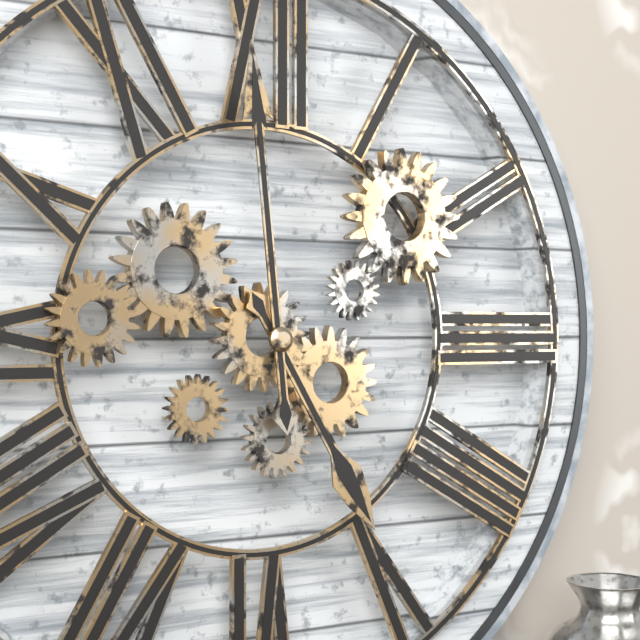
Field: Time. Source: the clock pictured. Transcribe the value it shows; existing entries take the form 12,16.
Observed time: 4,59
